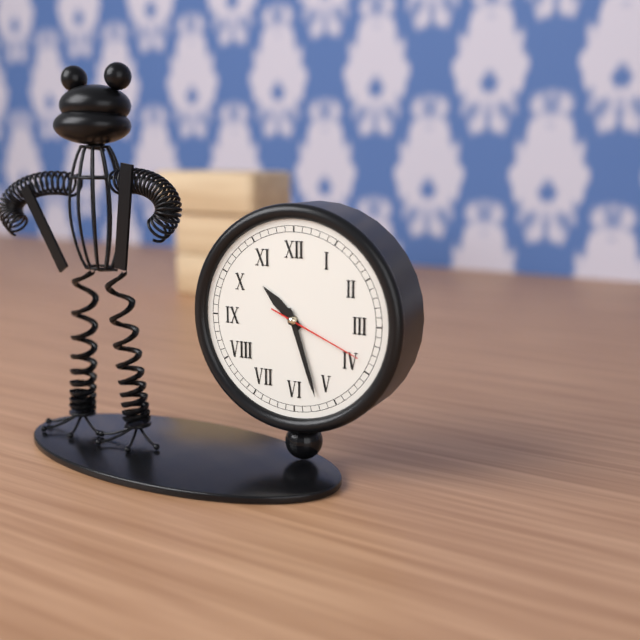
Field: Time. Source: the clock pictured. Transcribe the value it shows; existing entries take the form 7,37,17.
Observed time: 10,27,19
